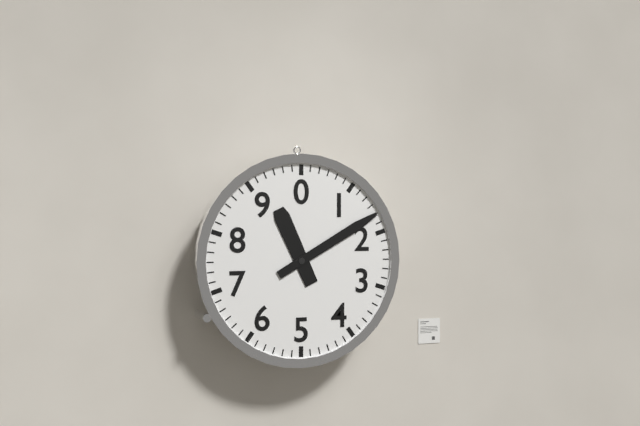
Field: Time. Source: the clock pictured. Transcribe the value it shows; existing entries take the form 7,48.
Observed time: 11,10
